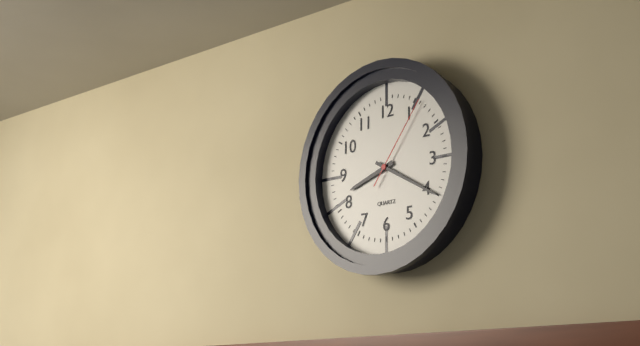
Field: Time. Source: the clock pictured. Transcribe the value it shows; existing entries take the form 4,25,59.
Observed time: 8,20,06
